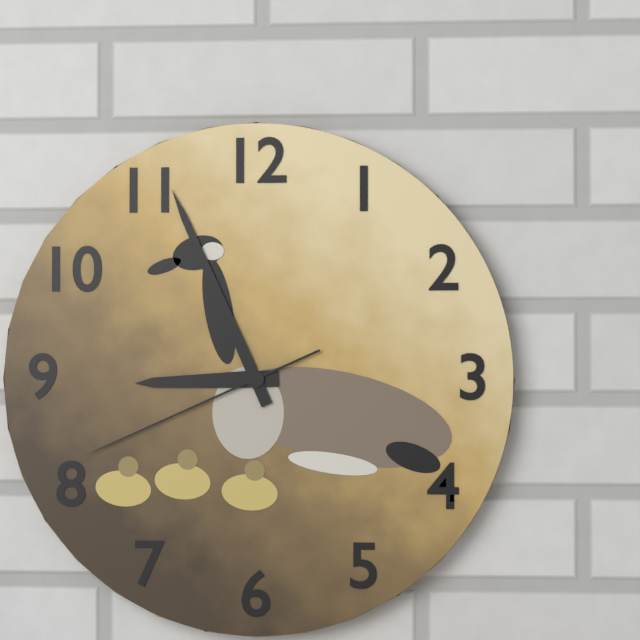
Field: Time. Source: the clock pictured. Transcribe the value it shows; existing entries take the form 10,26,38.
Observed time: 8,56,41
